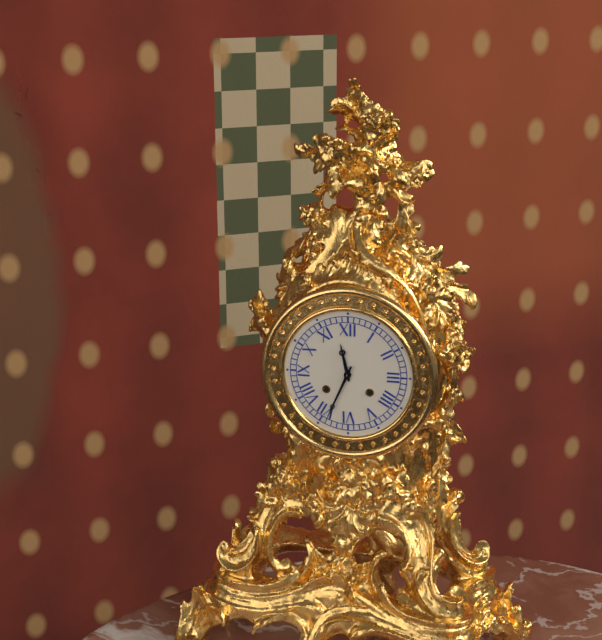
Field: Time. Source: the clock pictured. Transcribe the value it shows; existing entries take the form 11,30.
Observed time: 11,34
